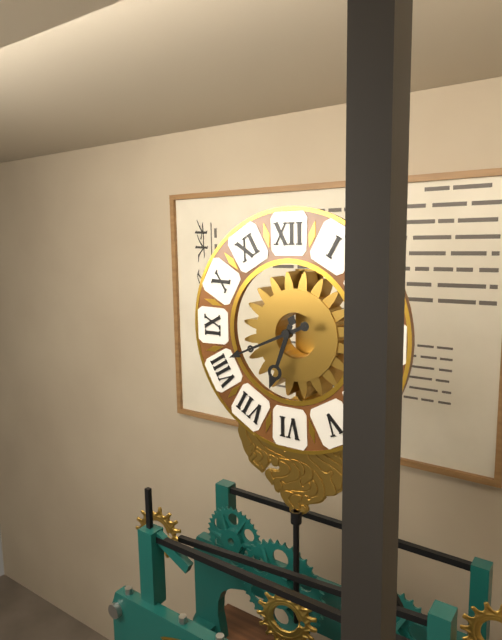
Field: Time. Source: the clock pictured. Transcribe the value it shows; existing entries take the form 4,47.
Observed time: 6,41
